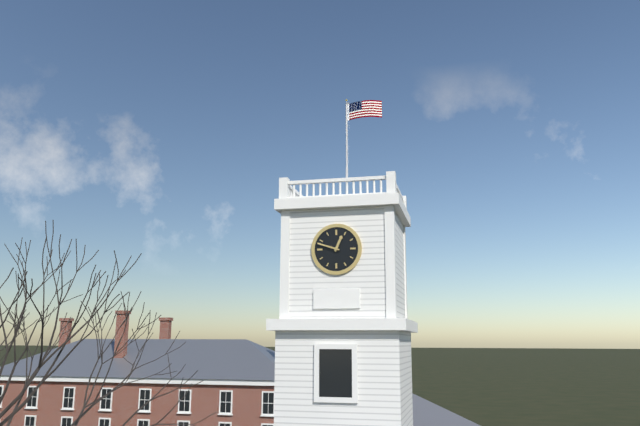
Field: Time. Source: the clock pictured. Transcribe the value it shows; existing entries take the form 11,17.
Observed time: 12,48
